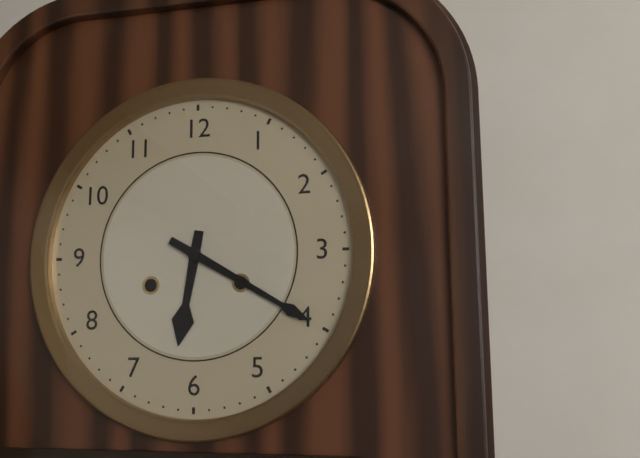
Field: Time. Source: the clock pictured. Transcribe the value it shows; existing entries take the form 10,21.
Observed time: 6,20
